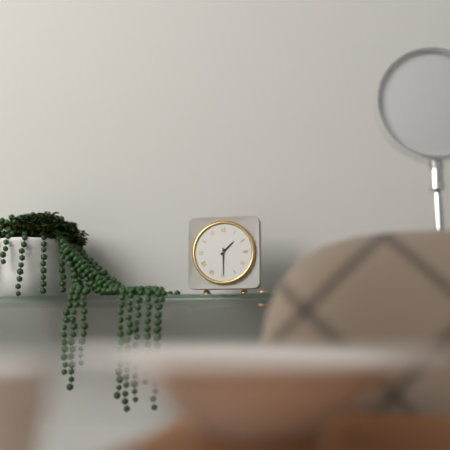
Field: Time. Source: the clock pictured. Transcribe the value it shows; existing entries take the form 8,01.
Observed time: 1,30
